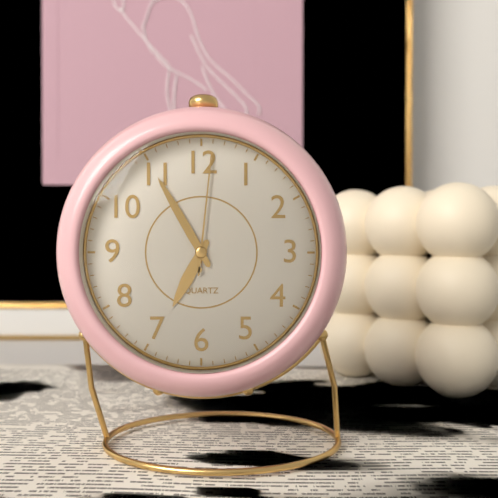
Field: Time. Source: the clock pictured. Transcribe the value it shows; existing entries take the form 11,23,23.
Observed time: 6,55,01
